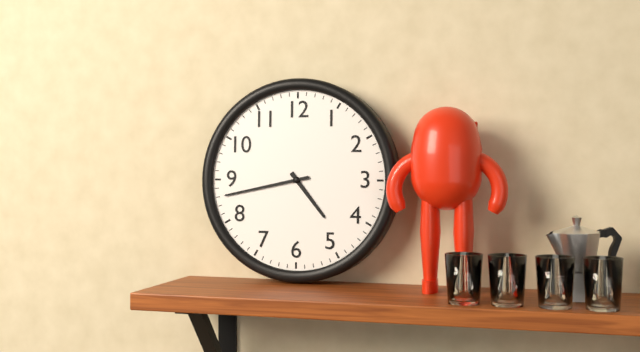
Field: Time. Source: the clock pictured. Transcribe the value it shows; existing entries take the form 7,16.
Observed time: 4,43
